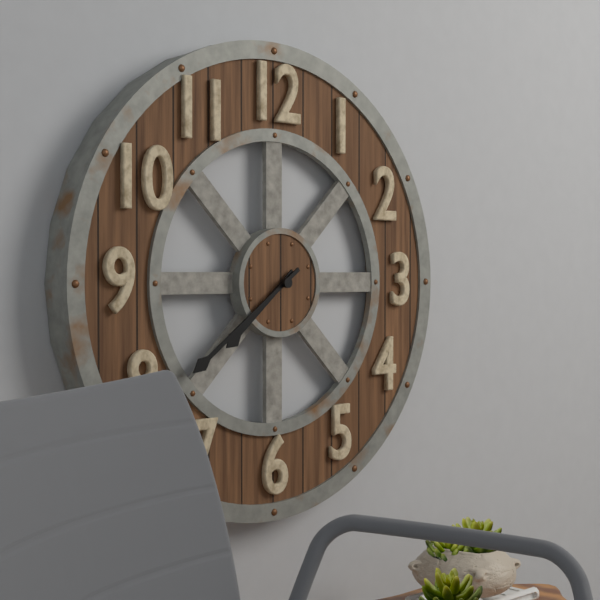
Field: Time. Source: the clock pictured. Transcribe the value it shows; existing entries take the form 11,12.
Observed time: 7,39
